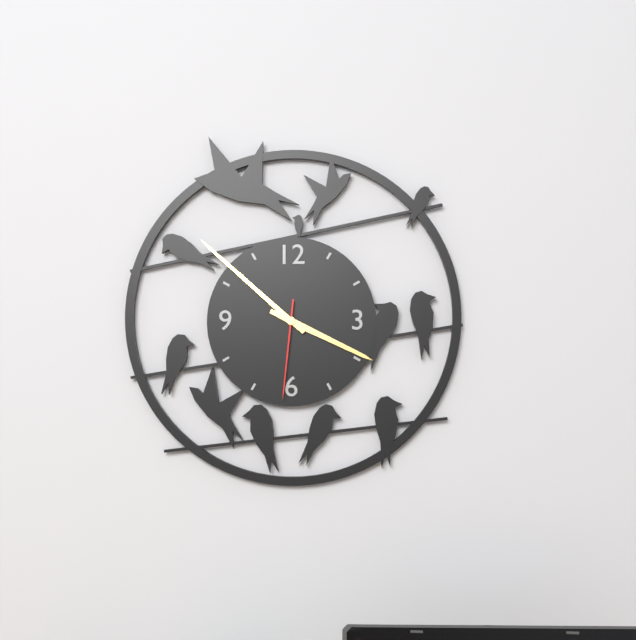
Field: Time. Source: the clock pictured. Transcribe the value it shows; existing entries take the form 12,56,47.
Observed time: 3,52,31
